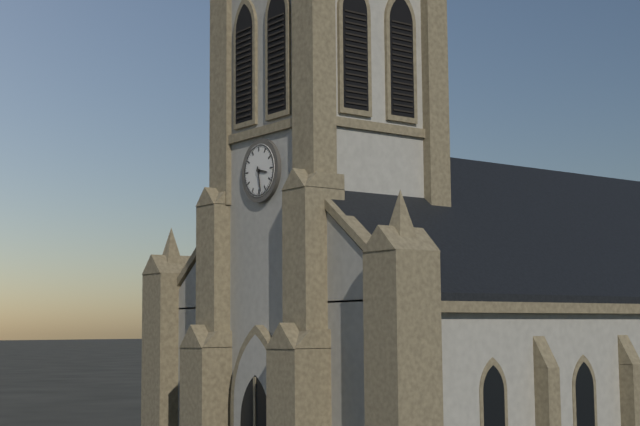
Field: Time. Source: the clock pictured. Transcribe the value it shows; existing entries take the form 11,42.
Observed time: 3,28
